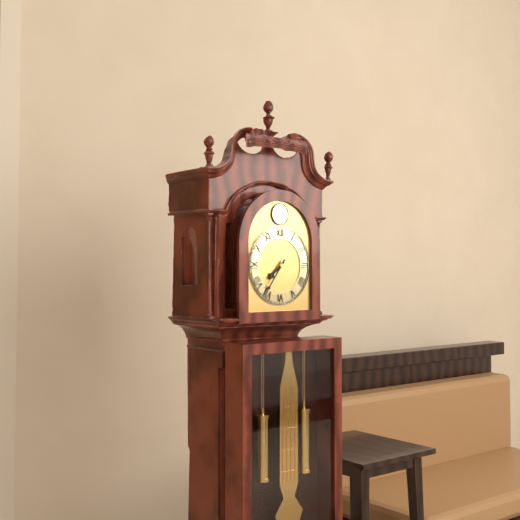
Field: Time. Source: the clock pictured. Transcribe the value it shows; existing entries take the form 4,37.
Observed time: 7,36
